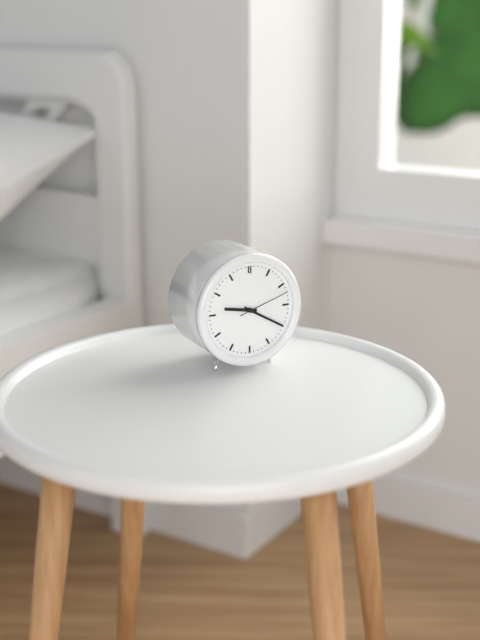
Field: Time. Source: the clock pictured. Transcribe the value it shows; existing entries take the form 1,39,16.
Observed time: 9,20,12
